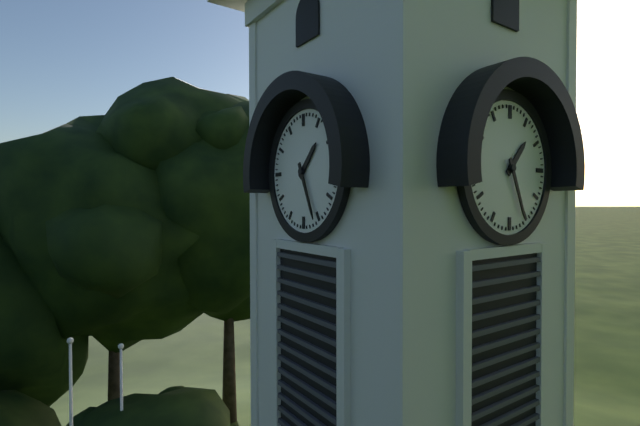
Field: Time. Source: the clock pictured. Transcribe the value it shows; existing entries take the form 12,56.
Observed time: 1,26
